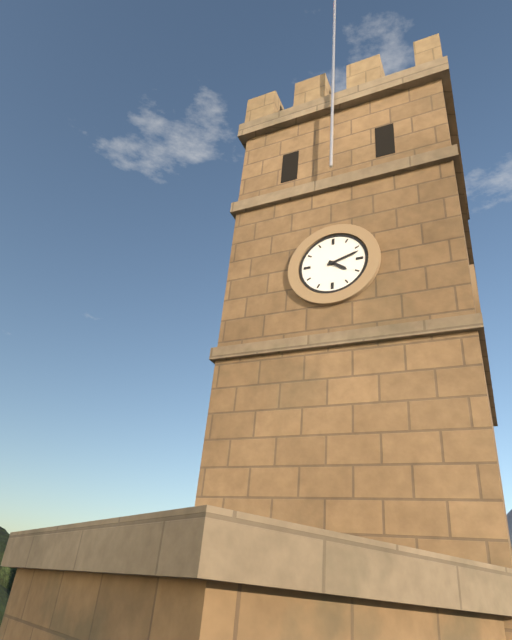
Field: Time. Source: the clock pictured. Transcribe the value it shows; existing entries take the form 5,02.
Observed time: 4,12
